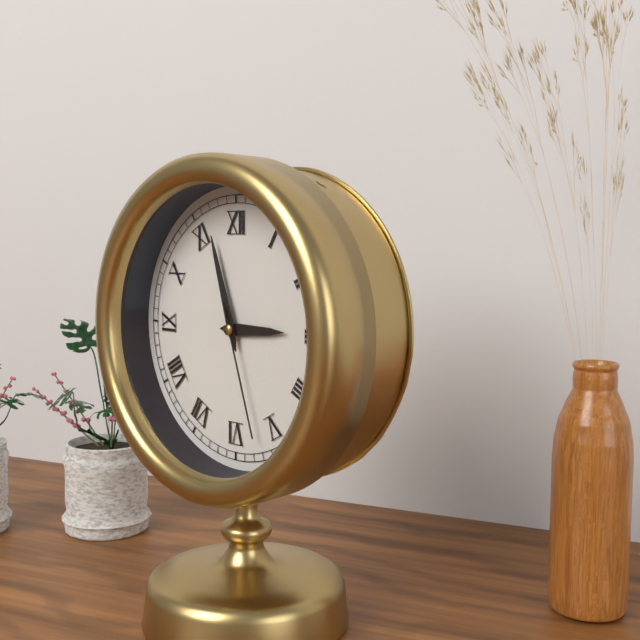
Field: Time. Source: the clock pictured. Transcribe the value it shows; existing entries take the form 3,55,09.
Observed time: 2,57,27
